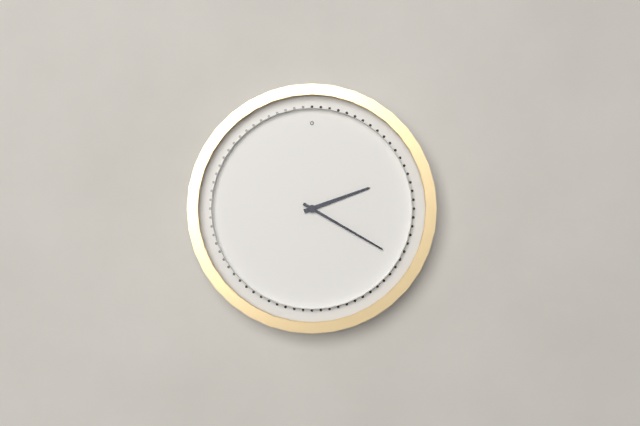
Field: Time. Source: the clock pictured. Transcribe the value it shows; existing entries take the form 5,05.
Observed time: 2,20
